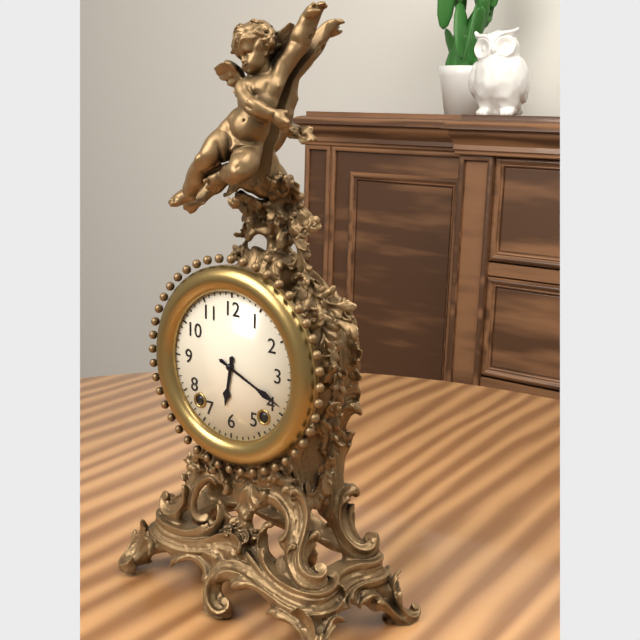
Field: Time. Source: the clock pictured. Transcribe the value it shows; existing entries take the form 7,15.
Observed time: 6,19
